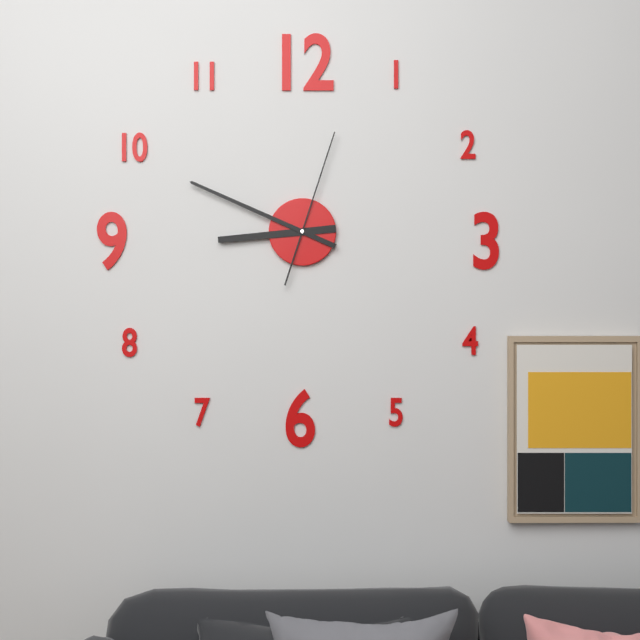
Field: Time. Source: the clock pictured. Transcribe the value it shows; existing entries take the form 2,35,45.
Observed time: 8,49,03
